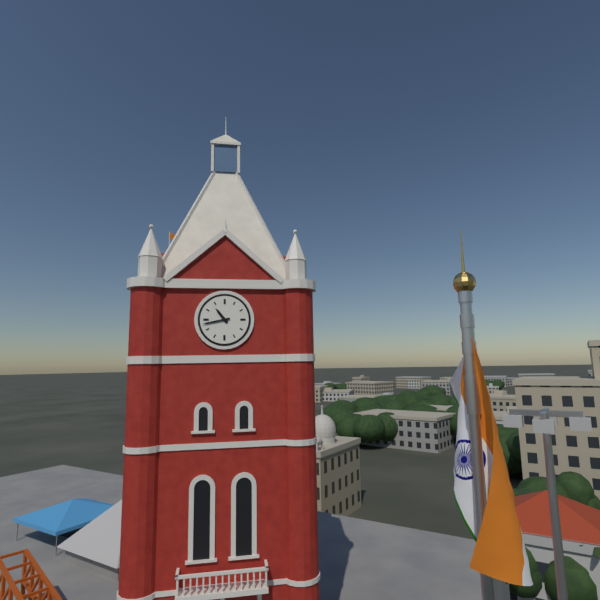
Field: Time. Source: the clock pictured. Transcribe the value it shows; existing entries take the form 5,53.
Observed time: 10,43
